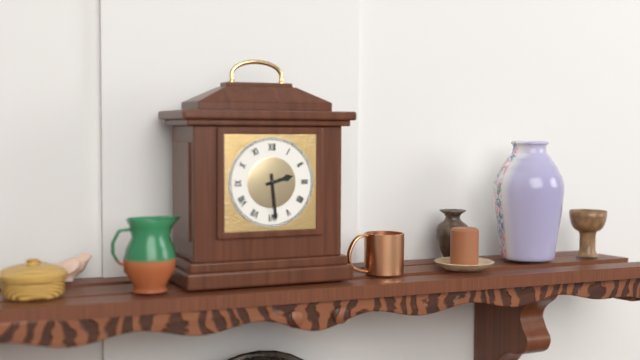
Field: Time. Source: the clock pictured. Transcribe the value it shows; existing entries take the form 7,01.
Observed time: 2,29
